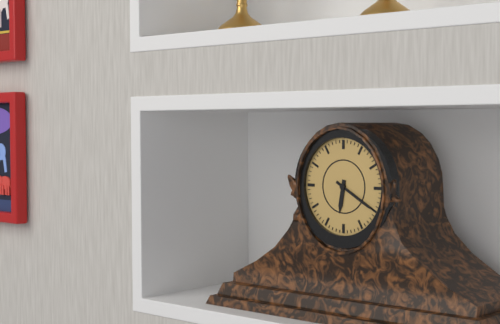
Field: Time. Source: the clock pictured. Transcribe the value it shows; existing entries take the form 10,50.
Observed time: 6,20
